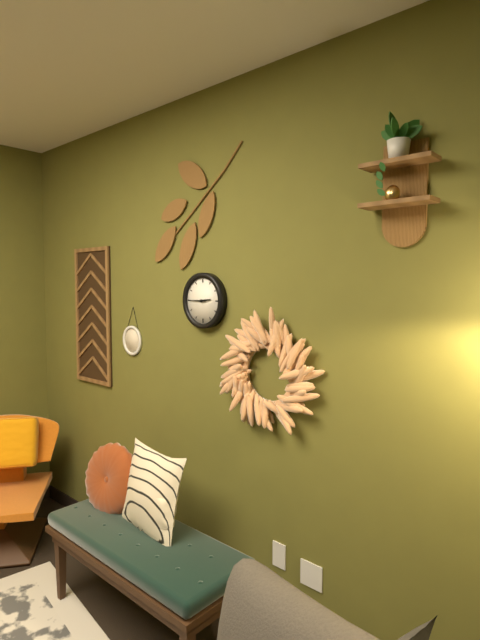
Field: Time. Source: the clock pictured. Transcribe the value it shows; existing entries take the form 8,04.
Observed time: 2,45
